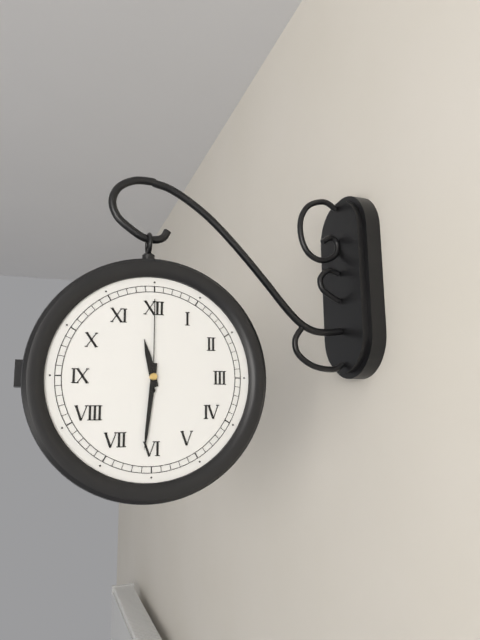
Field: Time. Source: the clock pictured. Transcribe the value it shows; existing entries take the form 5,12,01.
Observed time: 11,31,00
